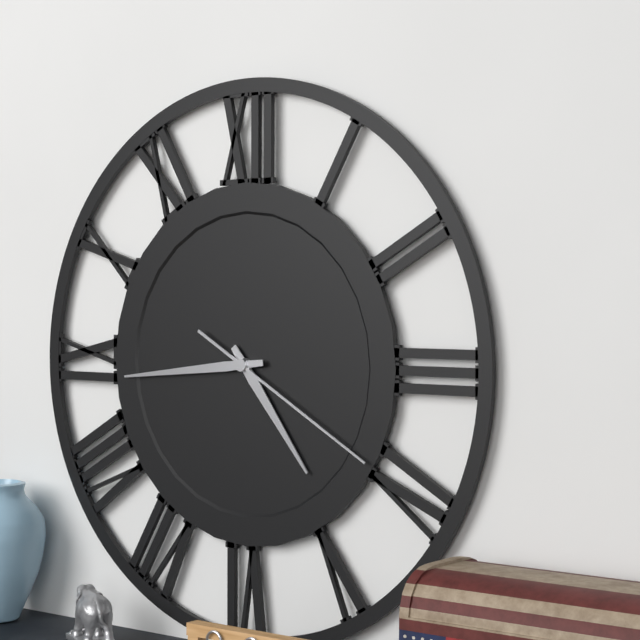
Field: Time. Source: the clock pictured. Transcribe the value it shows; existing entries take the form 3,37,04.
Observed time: 4,44,20
